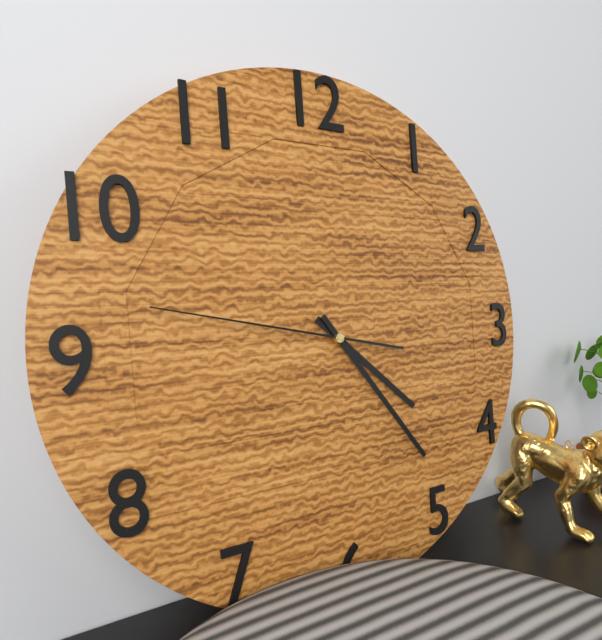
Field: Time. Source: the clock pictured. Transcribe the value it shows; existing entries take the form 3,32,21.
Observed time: 4,24,47
